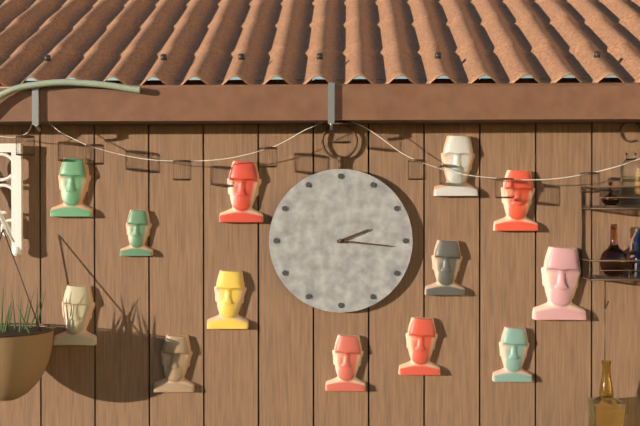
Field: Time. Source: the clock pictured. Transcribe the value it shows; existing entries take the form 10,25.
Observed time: 2,16
